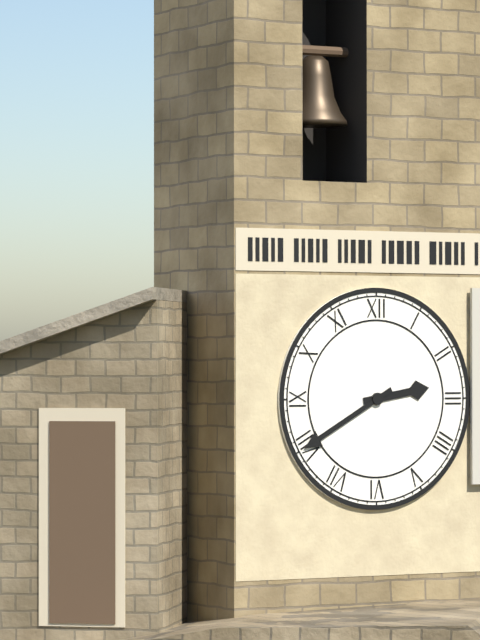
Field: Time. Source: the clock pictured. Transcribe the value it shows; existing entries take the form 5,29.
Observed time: 2,40
